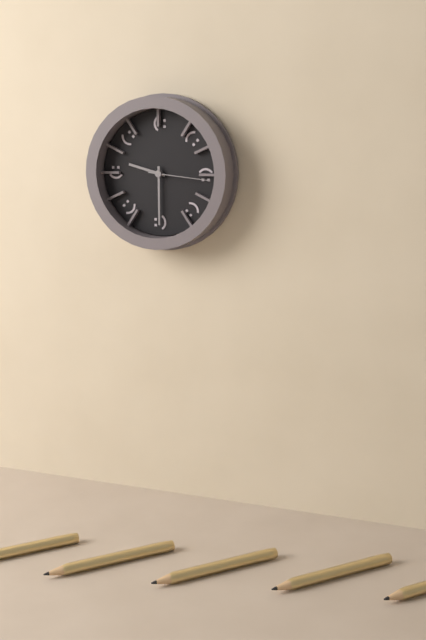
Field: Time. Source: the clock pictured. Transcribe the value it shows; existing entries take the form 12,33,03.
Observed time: 9,30,16
